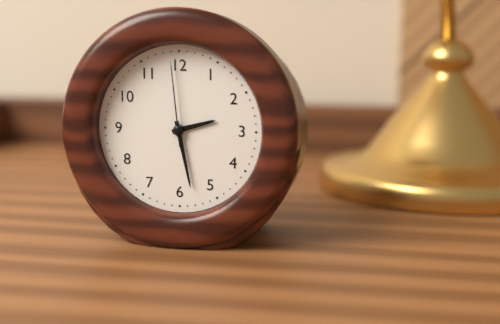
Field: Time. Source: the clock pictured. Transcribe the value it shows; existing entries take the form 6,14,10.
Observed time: 2,28,59
